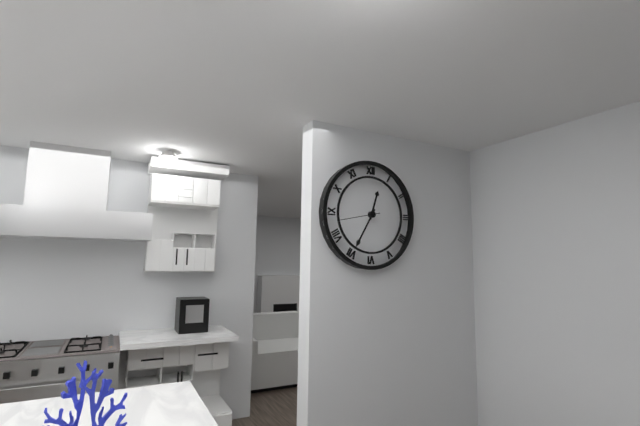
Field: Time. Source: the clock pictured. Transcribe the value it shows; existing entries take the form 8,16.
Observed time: 12,35
